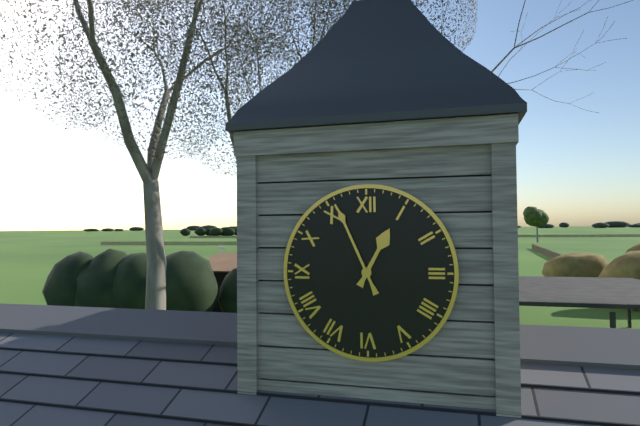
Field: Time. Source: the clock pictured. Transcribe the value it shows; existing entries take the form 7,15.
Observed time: 12,56
